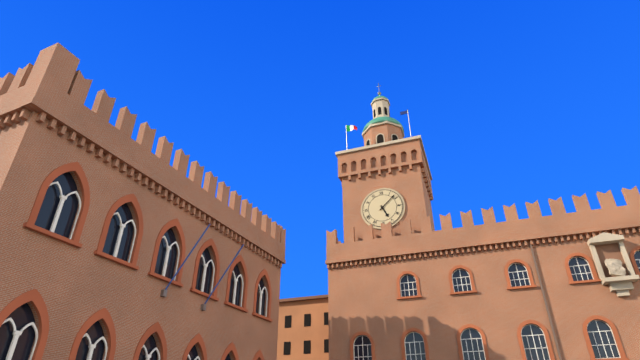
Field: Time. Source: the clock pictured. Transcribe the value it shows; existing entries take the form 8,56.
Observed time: 5,08
